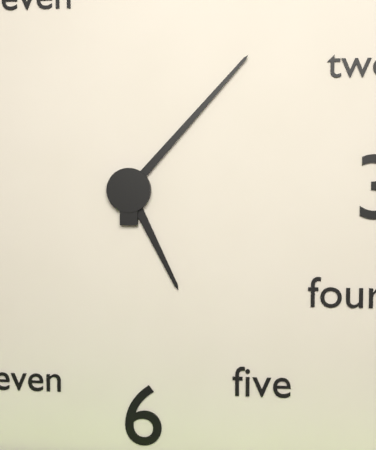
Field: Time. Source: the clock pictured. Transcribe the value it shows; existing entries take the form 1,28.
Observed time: 5,07
